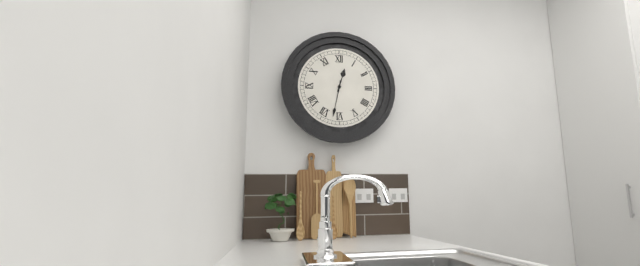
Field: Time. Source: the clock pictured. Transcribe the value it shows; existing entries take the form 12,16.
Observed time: 12,32
